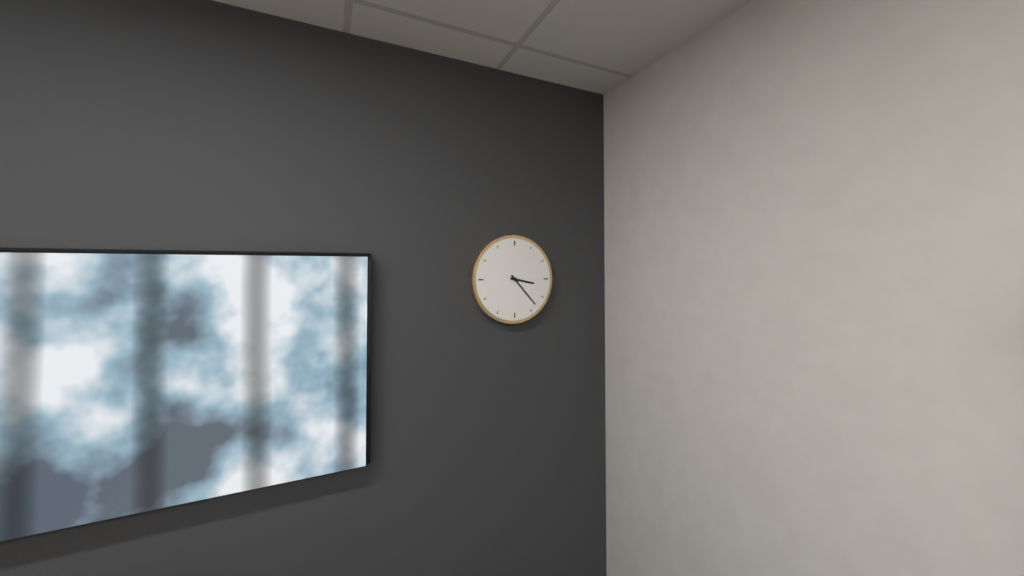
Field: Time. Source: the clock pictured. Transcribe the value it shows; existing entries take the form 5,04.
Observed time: 3,23
